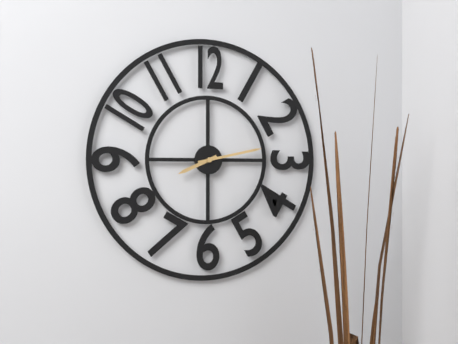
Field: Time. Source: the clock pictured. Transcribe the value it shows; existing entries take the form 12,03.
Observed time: 8,13
